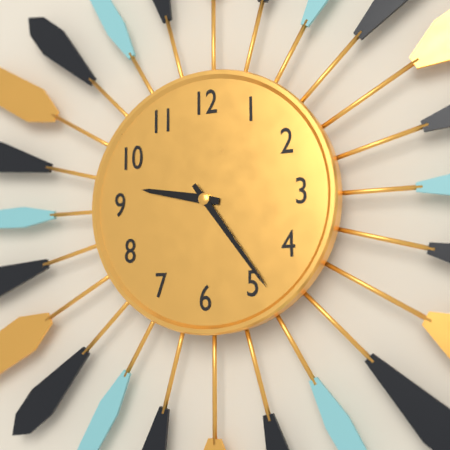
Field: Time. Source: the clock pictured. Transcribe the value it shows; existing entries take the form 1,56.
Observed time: 9,24
